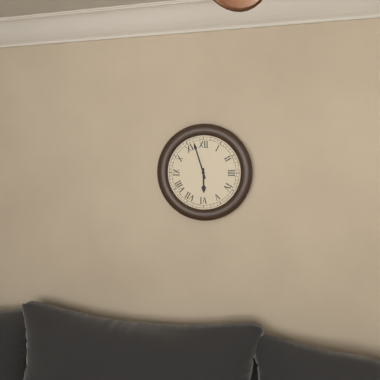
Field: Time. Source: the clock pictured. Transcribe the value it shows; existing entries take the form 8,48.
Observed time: 5,57
